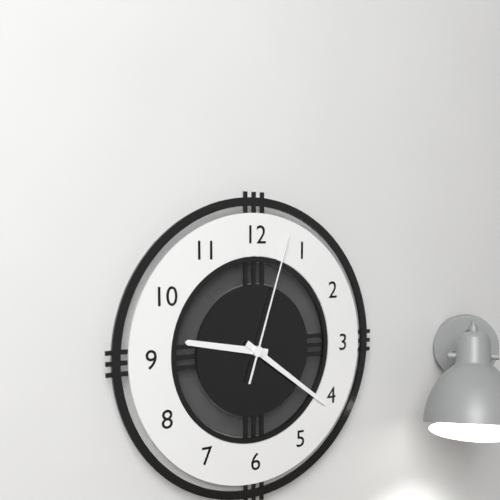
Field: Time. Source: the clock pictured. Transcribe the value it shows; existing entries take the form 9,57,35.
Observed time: 9,21,03
